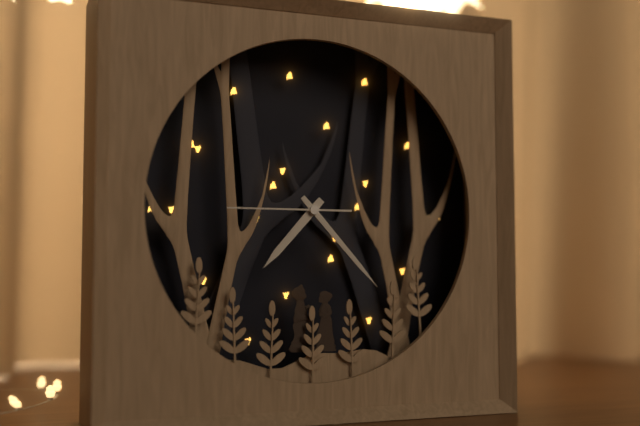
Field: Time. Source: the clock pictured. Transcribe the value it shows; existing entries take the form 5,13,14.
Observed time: 7,23,45
